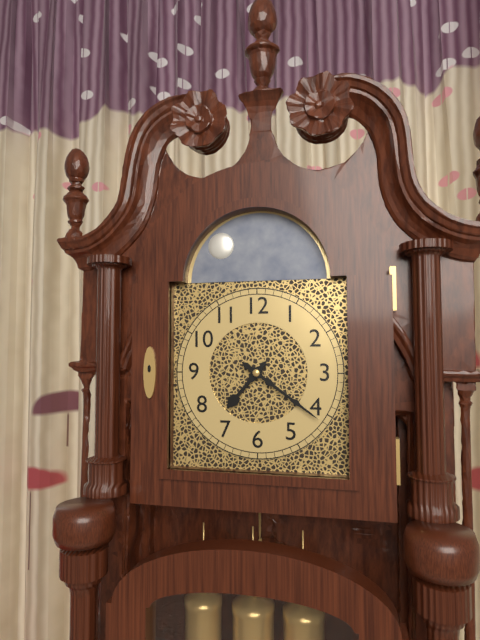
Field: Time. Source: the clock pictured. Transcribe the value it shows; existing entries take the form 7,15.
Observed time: 7,21
